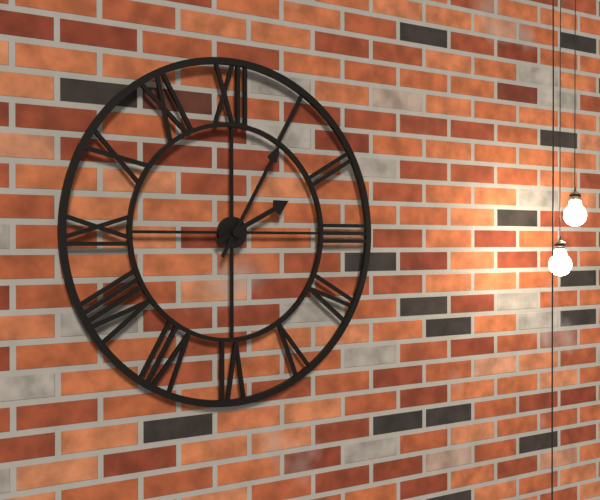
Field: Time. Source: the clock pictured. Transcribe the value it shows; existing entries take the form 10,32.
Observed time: 2,05
